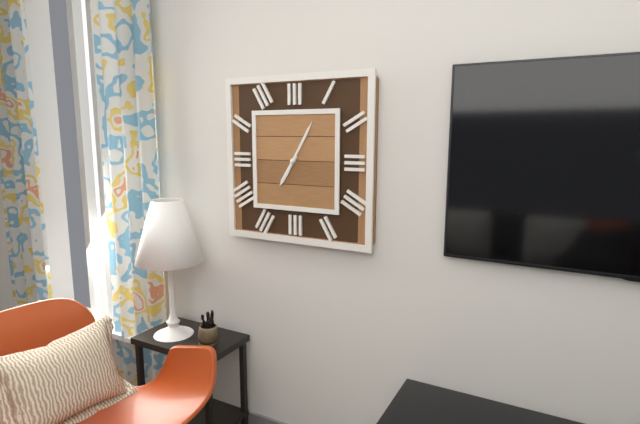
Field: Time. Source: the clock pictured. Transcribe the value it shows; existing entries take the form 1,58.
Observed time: 7,05
